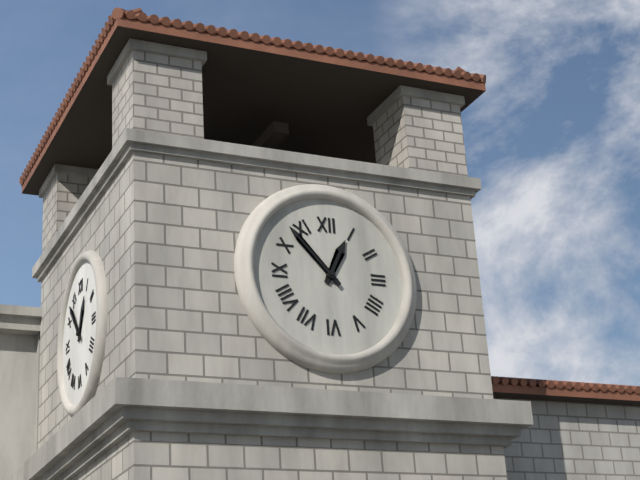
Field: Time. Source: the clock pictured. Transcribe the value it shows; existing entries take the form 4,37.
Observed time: 12,53
